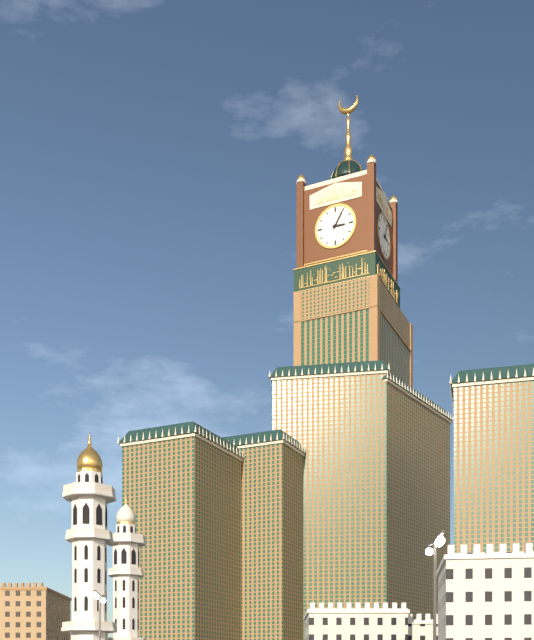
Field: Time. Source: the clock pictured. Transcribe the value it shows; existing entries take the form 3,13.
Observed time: 3,05
